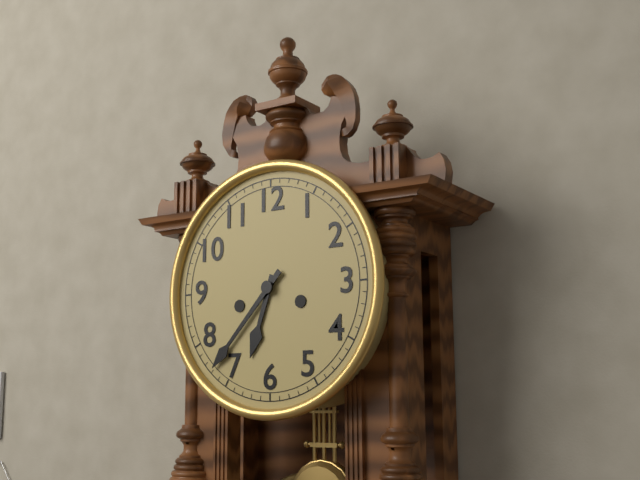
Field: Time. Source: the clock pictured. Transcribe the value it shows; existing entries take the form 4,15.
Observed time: 6,37
